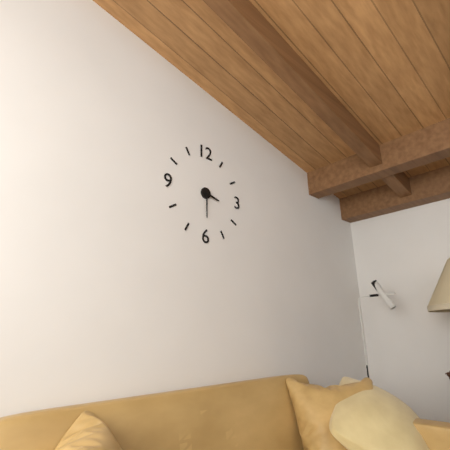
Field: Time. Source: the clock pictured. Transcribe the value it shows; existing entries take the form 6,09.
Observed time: 3,30
